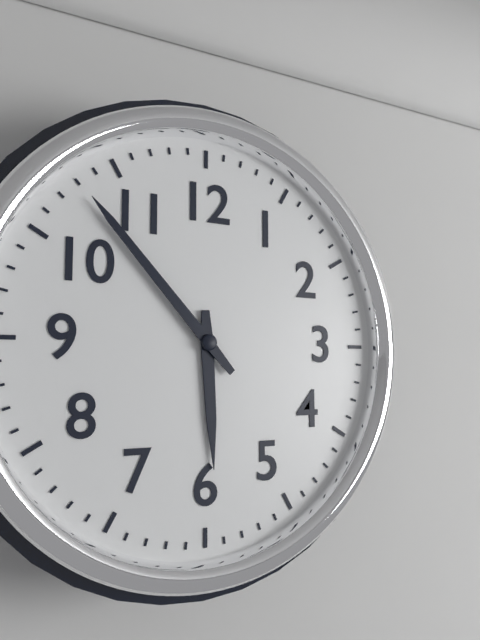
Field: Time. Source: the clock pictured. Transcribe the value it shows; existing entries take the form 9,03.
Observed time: 5,53
